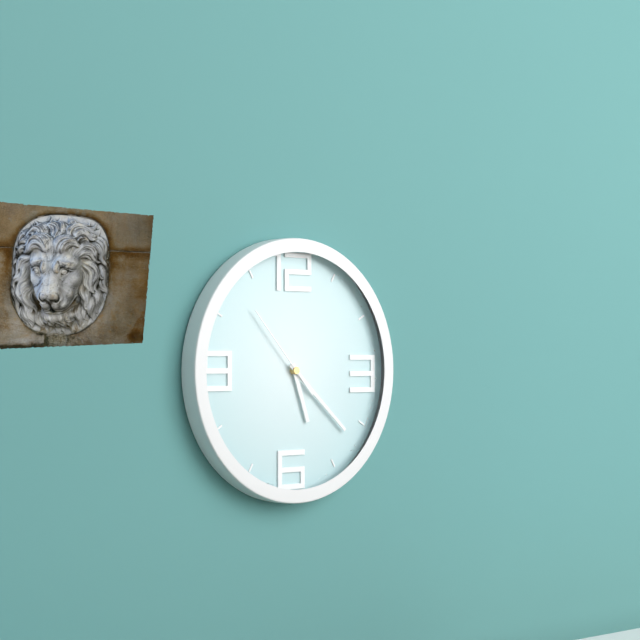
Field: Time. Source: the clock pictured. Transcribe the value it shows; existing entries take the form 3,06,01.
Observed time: 5,22,53
